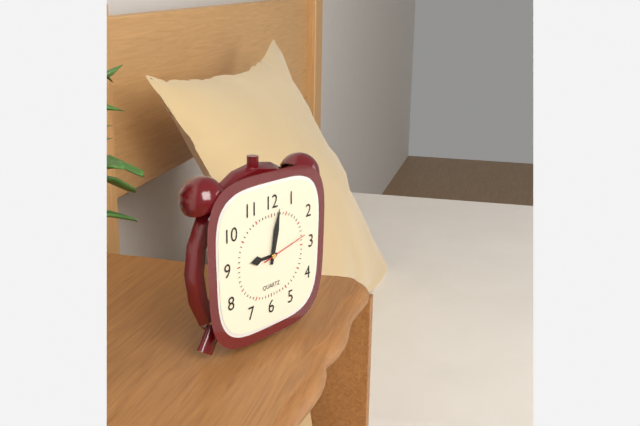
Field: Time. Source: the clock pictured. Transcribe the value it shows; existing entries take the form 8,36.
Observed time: 9,02
